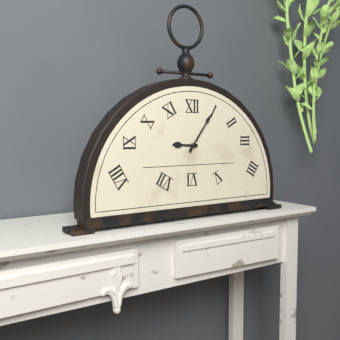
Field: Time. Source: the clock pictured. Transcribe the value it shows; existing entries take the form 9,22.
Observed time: 9,06
